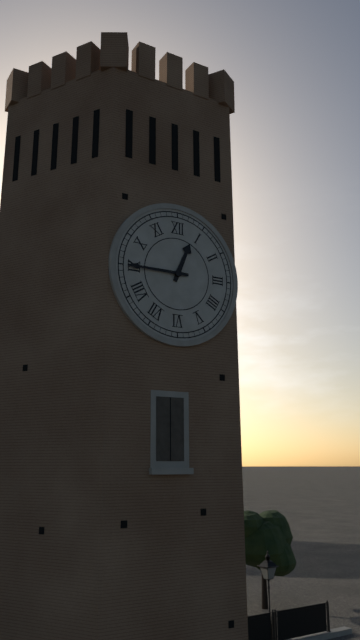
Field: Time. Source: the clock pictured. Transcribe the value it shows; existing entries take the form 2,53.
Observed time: 12,45
